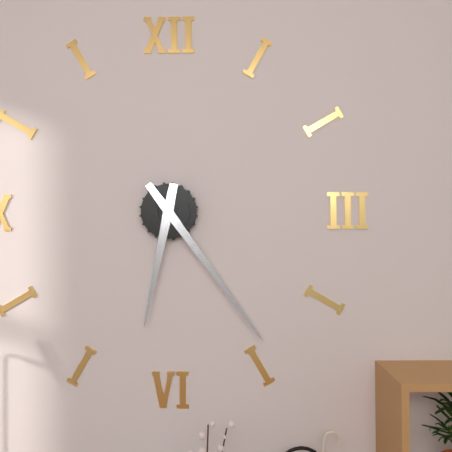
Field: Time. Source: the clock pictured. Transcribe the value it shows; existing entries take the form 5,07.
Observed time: 6,24
